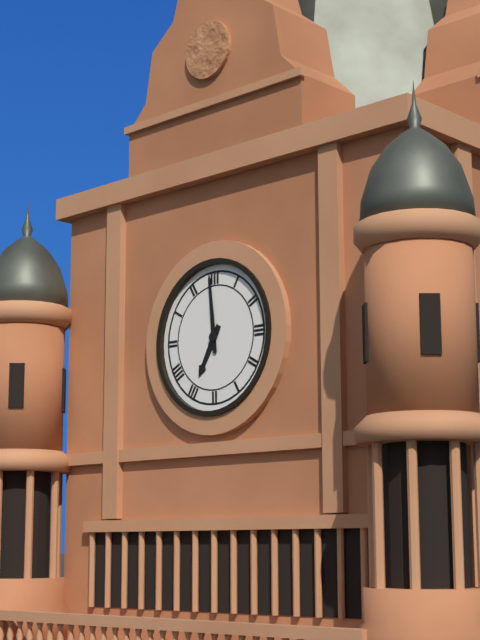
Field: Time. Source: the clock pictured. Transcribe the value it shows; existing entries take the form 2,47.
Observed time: 6,59
